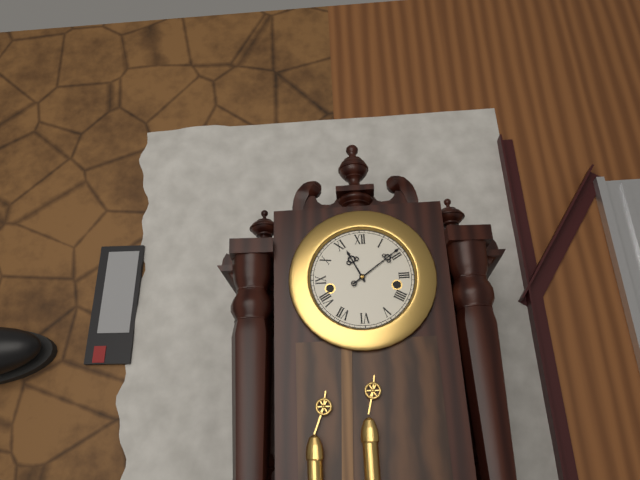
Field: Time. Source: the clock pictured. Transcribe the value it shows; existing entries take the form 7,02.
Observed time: 11,09
